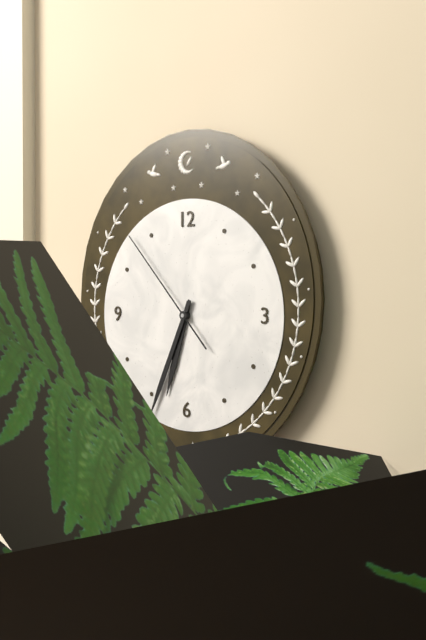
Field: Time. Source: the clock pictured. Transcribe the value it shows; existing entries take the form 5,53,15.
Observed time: 6,34,53
